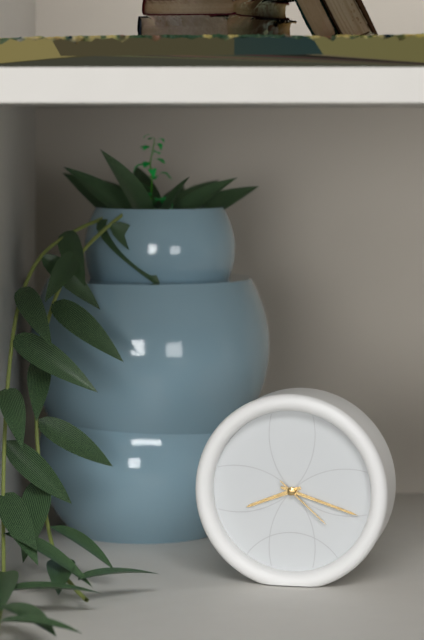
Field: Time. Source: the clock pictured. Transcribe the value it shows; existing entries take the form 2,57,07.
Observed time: 8,18,22
